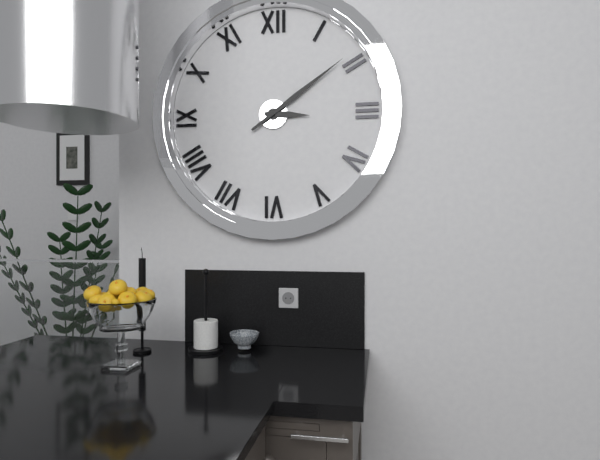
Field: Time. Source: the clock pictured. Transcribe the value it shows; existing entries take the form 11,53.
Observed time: 3,09
